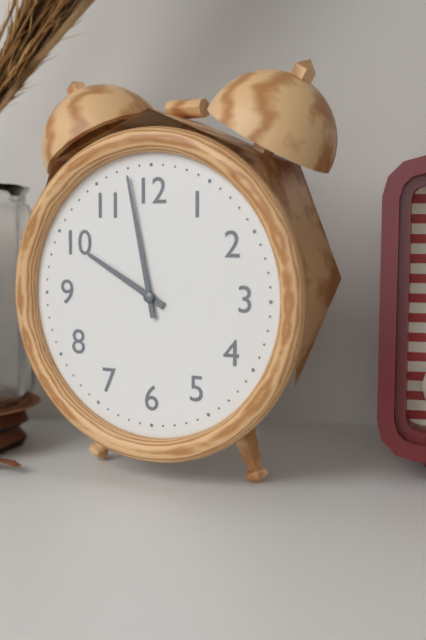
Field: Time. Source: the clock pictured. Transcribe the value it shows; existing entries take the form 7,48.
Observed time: 9,58
